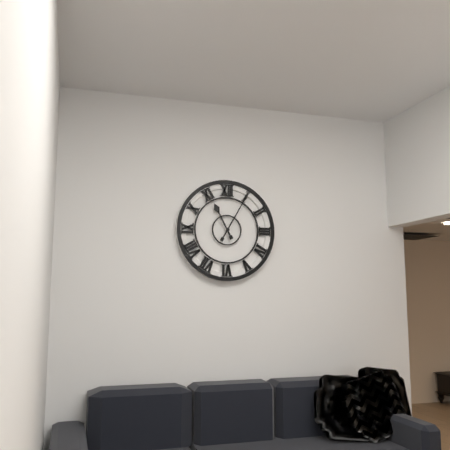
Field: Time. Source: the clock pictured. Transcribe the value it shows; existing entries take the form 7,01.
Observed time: 11,05
